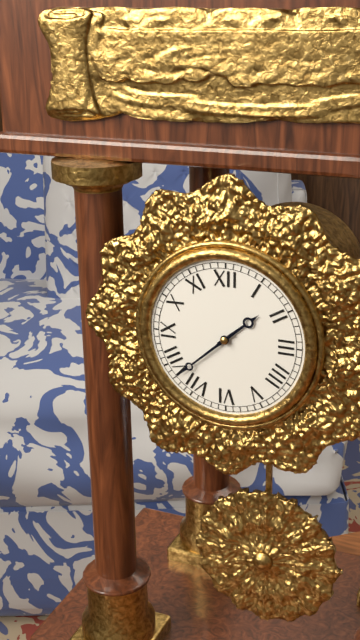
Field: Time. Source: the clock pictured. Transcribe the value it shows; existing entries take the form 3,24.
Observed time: 1,38
